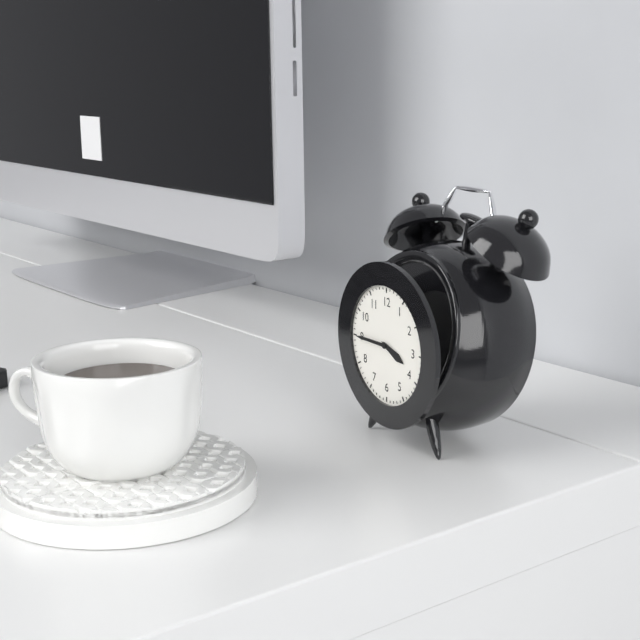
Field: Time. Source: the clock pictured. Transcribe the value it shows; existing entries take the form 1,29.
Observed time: 3,45
